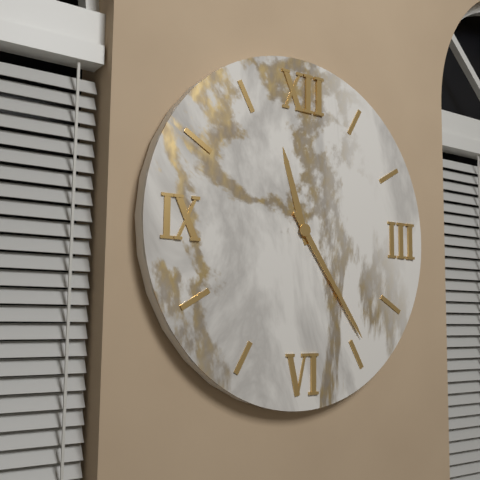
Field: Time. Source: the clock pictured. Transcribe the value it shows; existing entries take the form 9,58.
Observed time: 11,24
